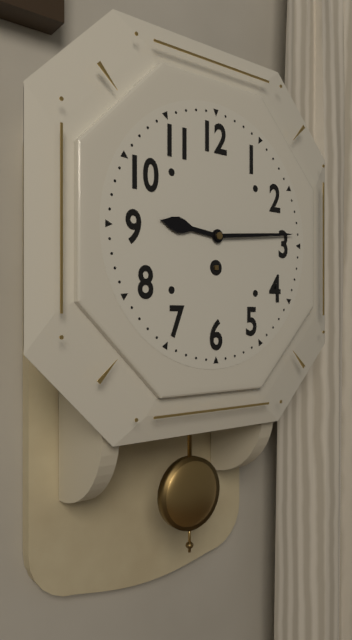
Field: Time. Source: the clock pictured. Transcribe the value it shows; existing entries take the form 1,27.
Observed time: 9,14
